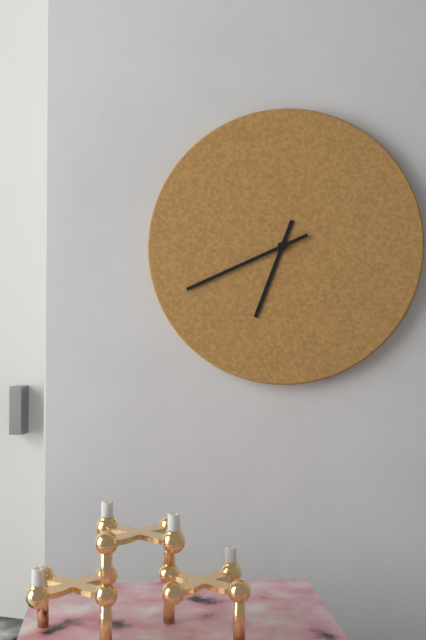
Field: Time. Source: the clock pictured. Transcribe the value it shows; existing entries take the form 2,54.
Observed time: 6,41
